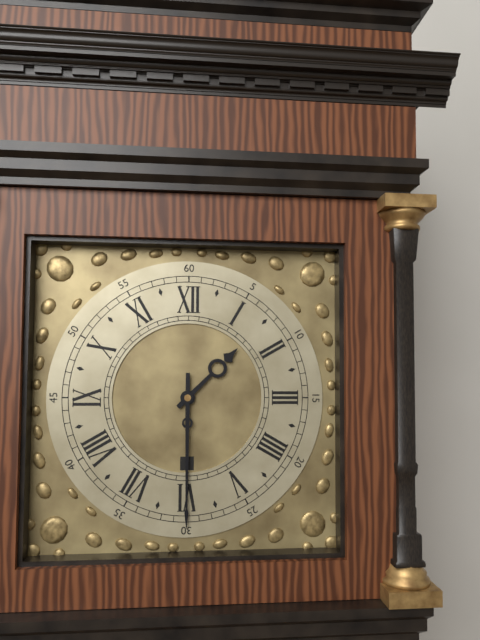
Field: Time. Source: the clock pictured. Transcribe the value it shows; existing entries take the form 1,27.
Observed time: 1,30
